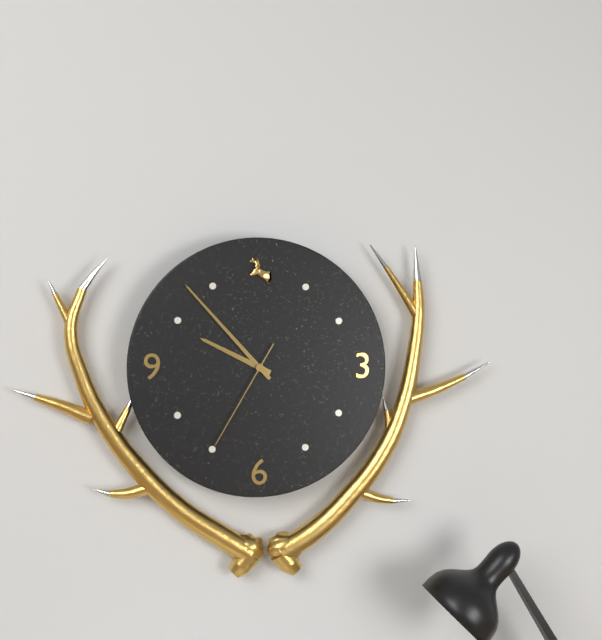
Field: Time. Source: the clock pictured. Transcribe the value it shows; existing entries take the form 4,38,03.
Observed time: 9,53,35
